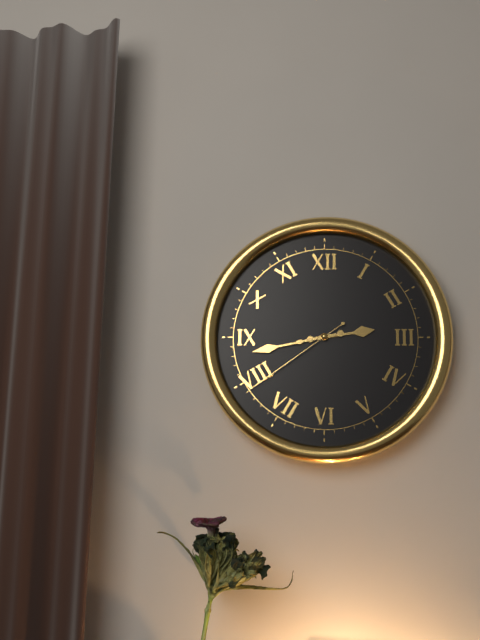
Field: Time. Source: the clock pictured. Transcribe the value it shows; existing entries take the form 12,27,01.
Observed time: 2,43,39
